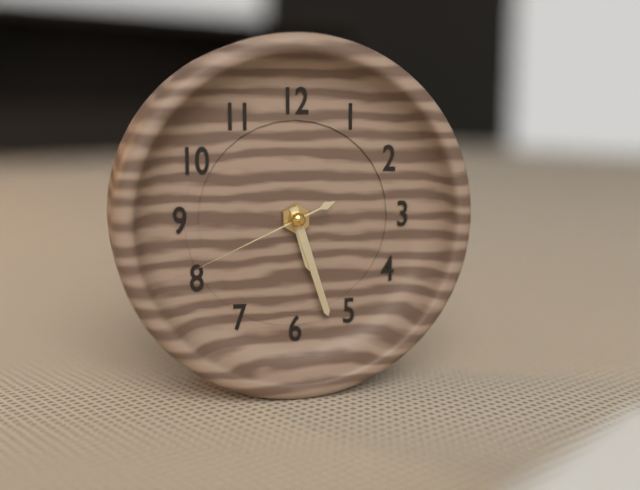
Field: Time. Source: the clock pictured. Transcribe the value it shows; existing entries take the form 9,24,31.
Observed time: 5,27,41
